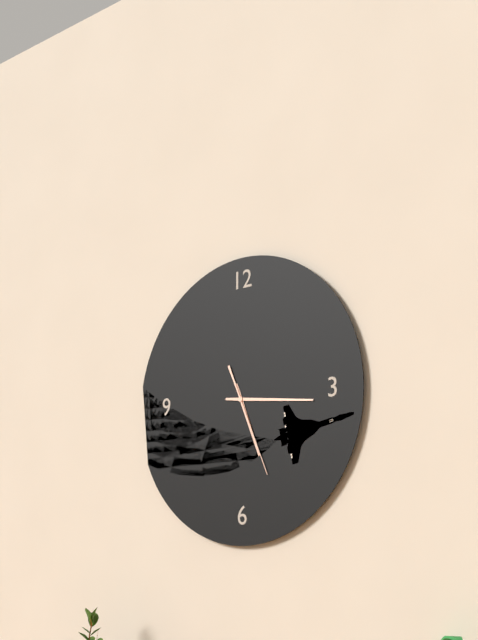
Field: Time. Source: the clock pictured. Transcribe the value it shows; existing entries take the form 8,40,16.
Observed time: 5,16,26
